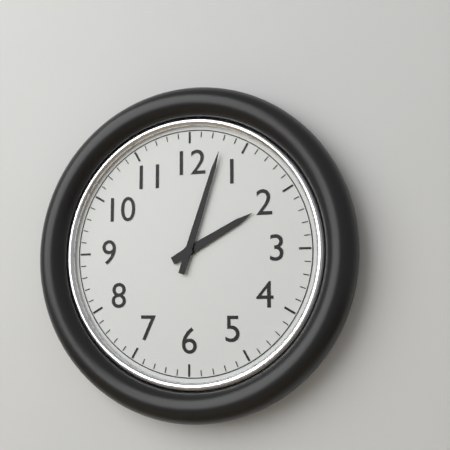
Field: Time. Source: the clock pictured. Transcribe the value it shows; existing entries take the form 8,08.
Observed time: 2,03
